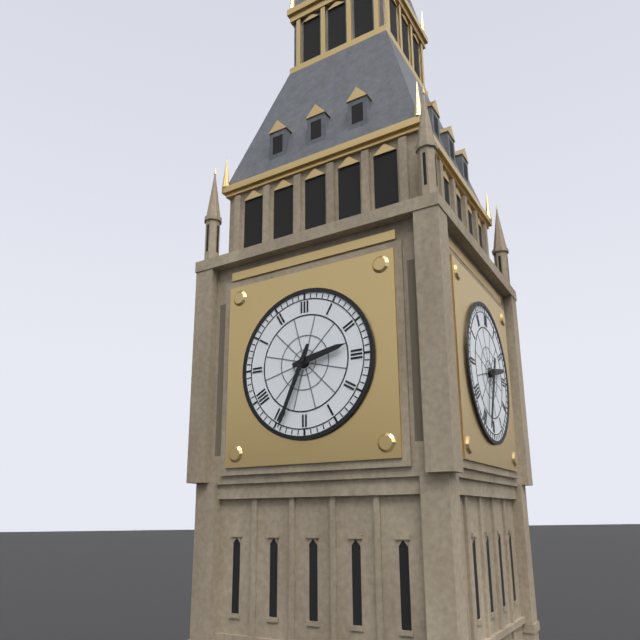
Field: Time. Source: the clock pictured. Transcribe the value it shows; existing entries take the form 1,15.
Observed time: 2,34
